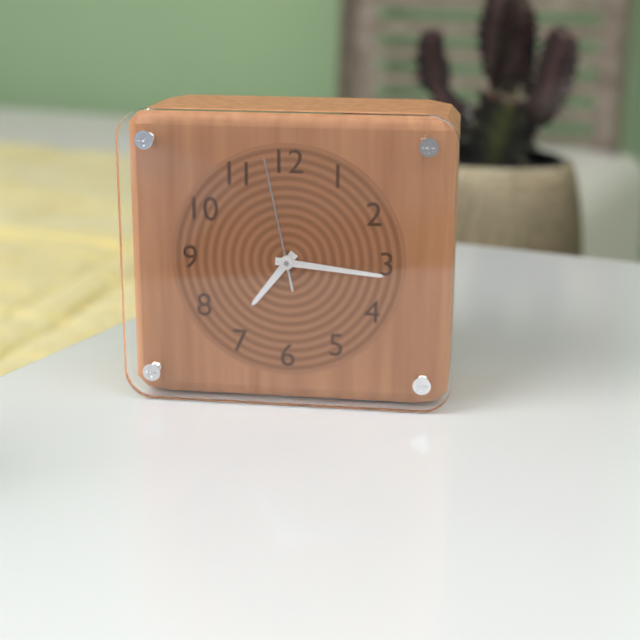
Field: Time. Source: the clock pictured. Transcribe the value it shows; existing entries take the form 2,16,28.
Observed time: 7,16,58
